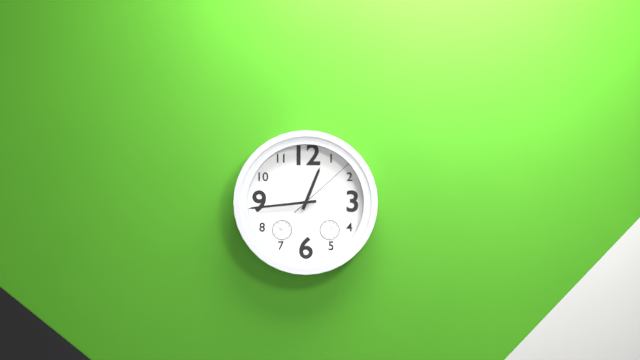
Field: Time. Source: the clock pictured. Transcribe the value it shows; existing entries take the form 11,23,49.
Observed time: 12,44,08
